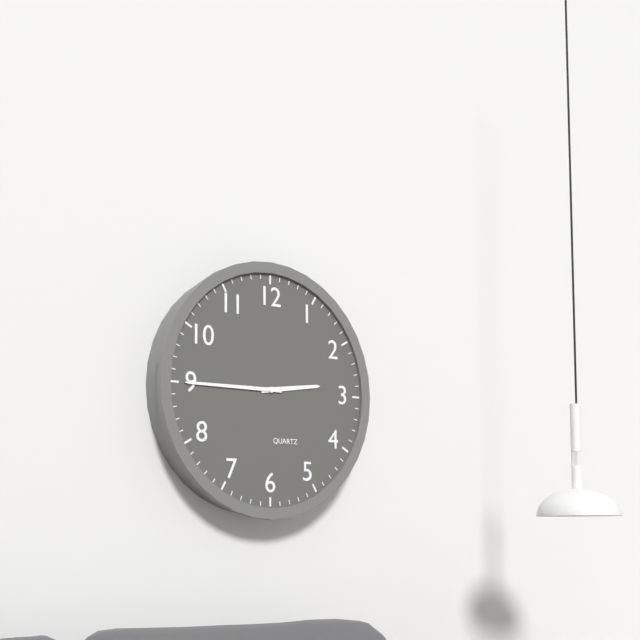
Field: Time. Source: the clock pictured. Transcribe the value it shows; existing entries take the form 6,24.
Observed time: 2,45
